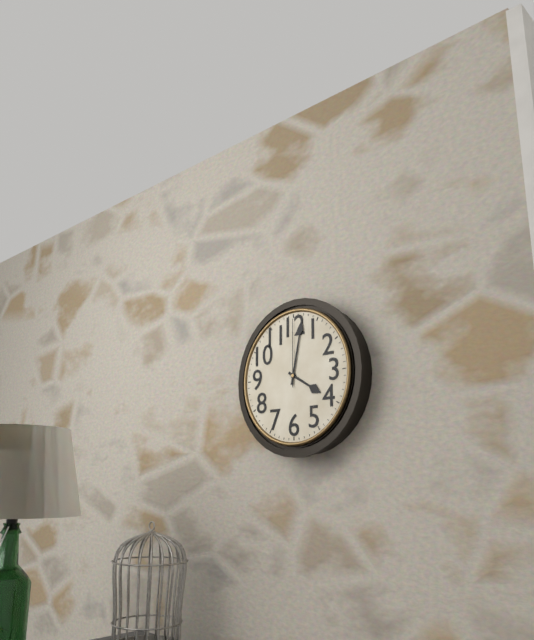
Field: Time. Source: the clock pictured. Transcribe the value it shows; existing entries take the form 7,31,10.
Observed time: 4,02,00
